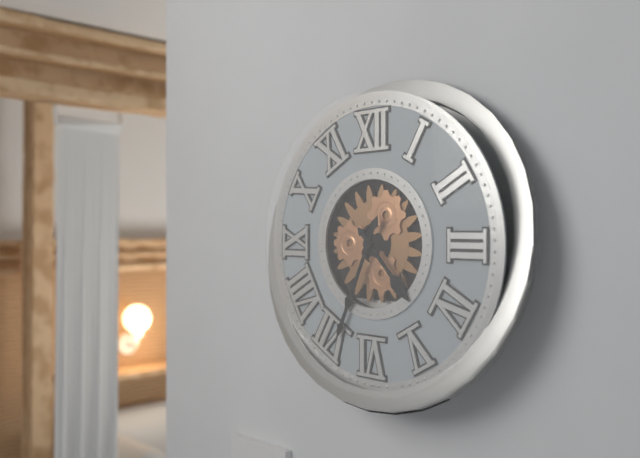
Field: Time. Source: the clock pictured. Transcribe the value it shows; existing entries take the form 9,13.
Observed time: 4,34
